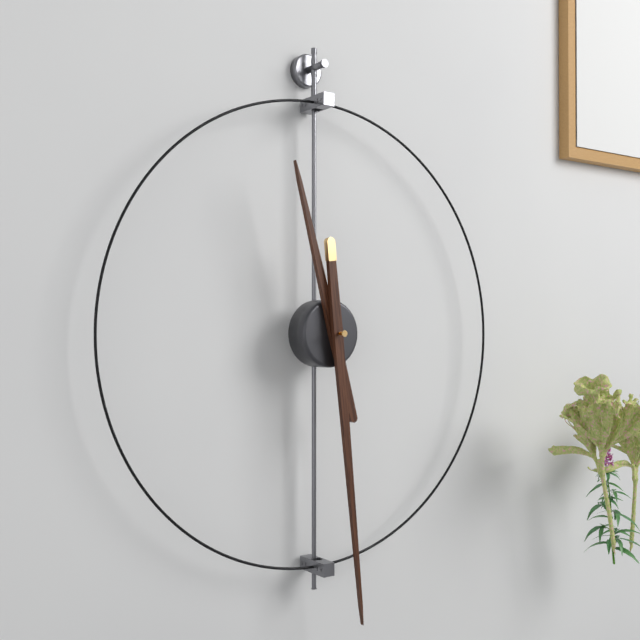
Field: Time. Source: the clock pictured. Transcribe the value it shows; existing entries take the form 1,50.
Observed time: 11,29
